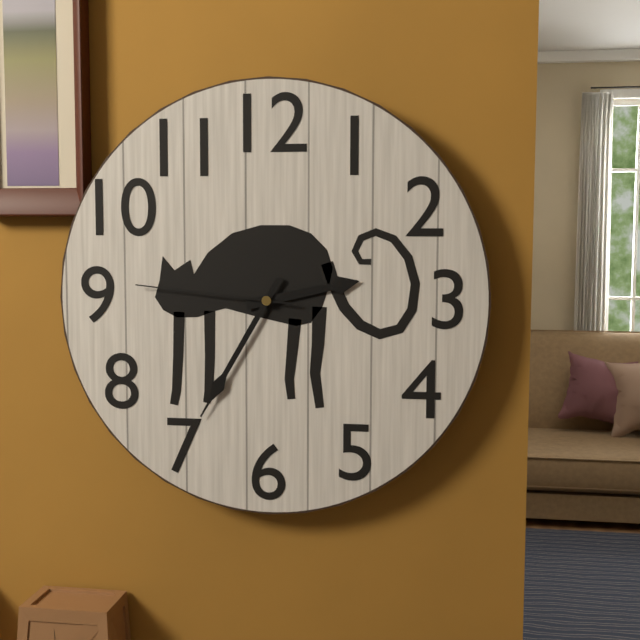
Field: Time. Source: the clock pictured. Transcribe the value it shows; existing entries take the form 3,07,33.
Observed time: 2,35,46
